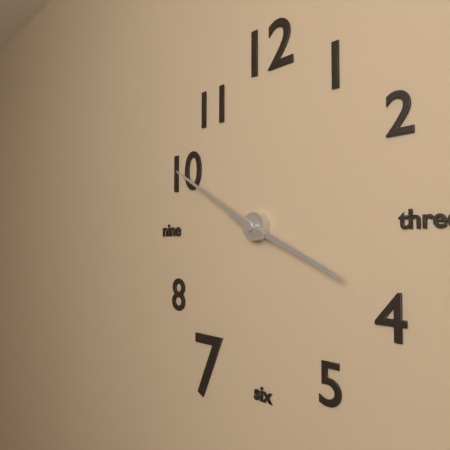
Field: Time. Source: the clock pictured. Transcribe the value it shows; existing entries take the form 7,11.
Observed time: 3,50
